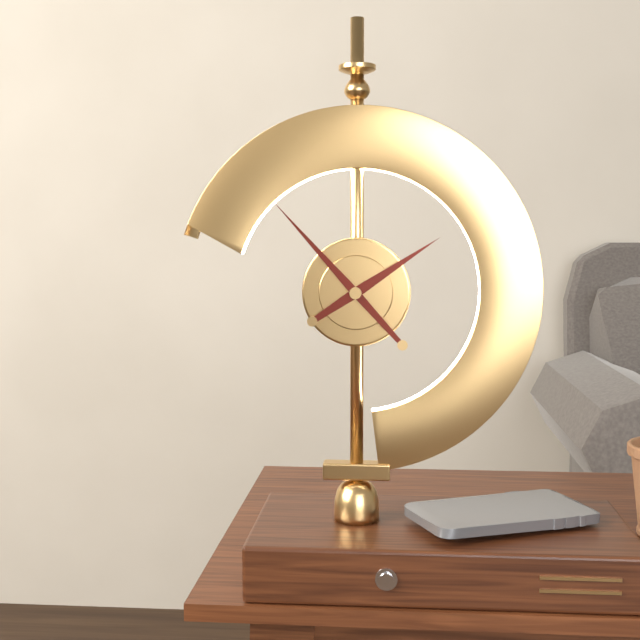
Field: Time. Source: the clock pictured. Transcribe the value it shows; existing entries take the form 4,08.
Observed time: 1,53
